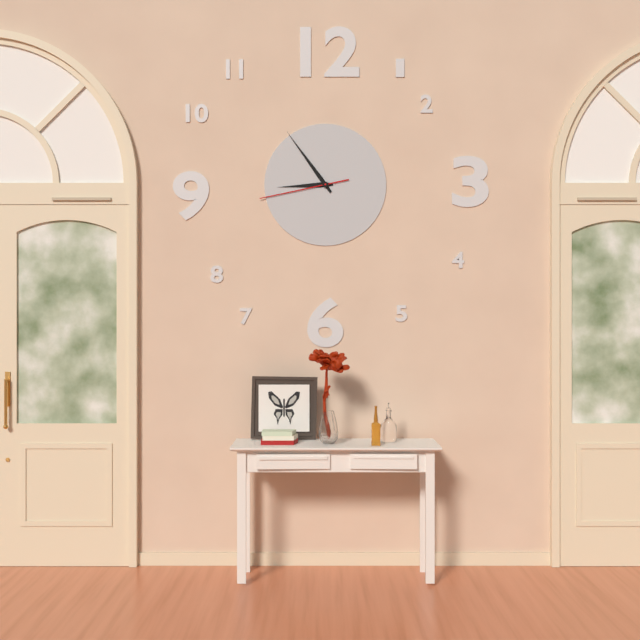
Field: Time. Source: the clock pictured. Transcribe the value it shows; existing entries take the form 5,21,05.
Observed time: 8,54,43
